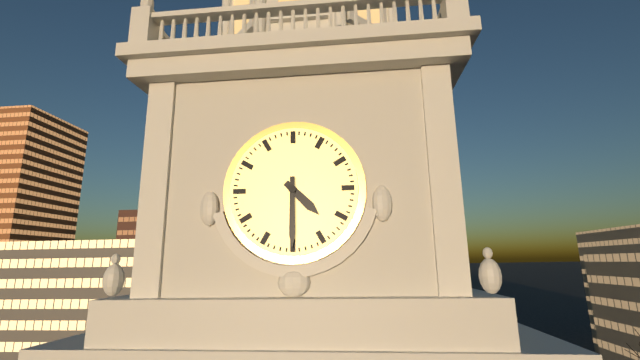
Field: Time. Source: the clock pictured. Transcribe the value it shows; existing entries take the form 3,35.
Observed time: 4,30
